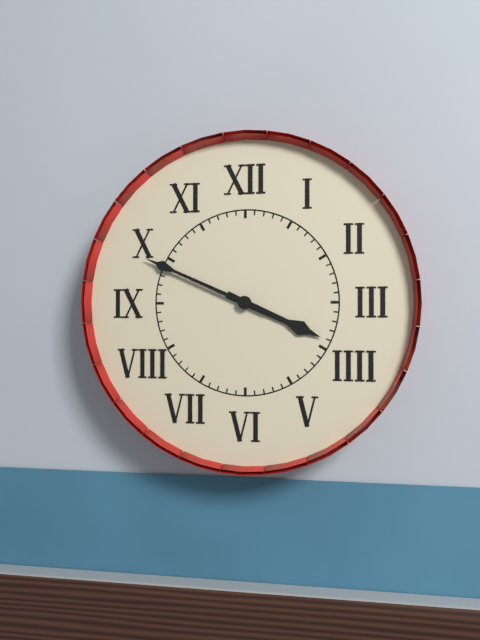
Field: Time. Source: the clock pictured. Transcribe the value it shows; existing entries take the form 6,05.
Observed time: 3,49
